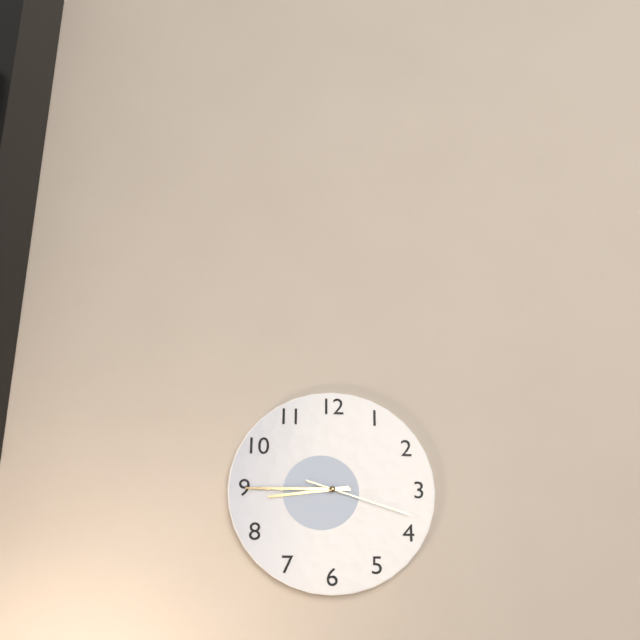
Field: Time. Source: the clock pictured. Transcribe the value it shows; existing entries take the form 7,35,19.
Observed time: 8,45,18
